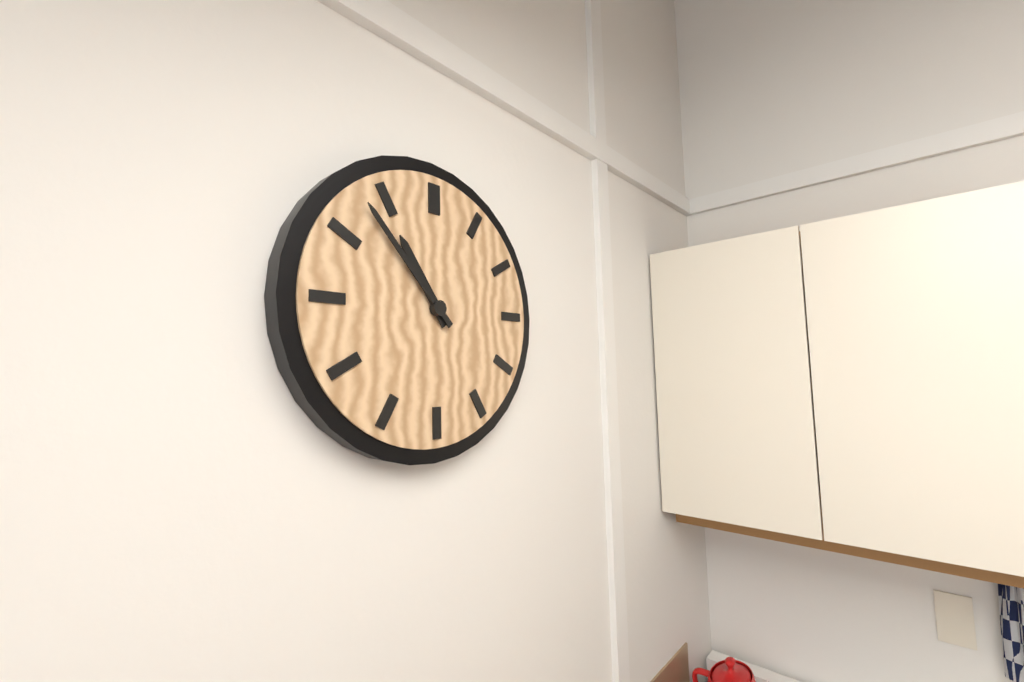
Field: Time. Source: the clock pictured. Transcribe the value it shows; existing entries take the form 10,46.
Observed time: 10,53
